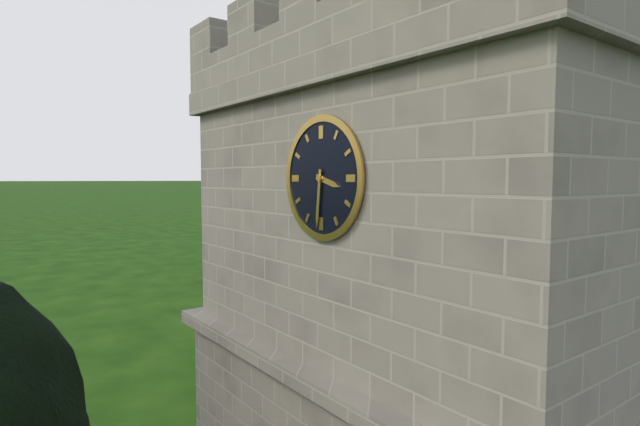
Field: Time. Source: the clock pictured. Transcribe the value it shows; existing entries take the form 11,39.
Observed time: 3,31
